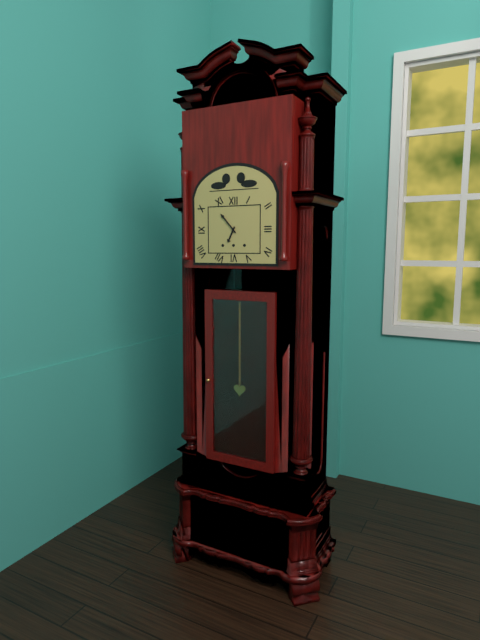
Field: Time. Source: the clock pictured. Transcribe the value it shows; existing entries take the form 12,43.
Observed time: 6,53
